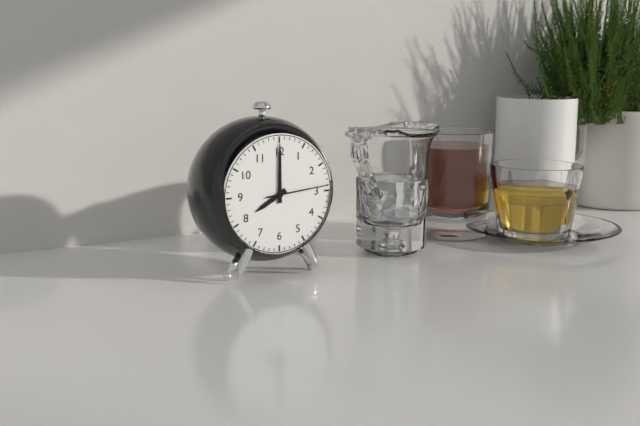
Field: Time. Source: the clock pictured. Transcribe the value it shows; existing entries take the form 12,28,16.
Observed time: 8,00,14
